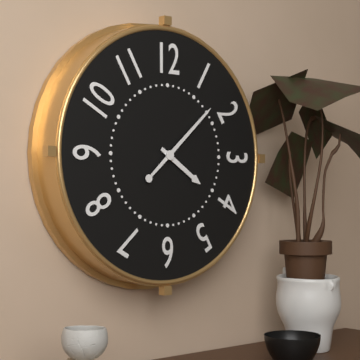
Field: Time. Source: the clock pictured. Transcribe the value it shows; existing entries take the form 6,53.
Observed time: 4,08
